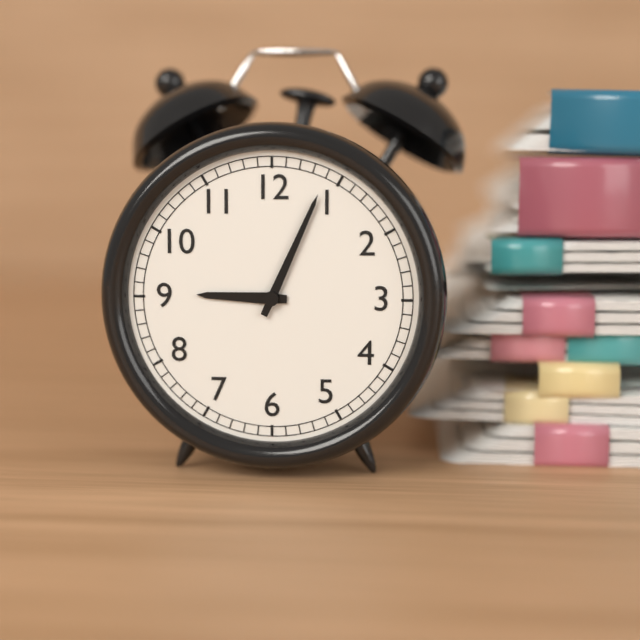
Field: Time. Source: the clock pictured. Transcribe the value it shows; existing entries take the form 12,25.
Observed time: 9,04
